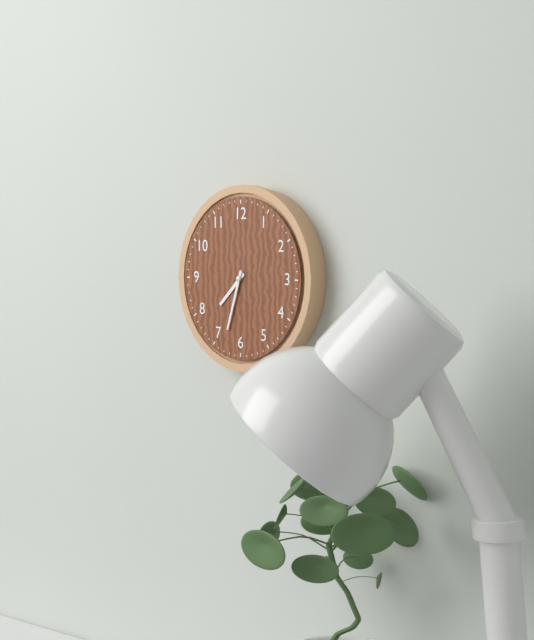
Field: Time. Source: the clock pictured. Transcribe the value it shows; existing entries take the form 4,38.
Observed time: 7,33
